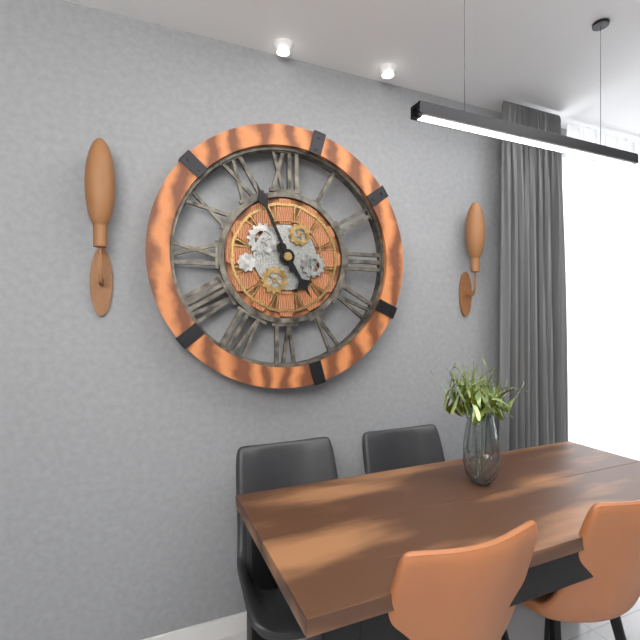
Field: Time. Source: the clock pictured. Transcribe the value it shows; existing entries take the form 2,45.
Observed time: 4,56
